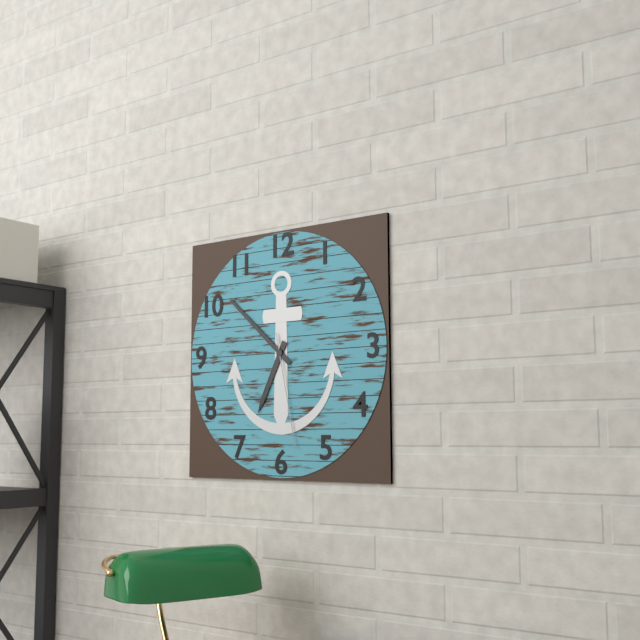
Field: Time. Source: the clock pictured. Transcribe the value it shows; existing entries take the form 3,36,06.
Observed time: 6,52,28
